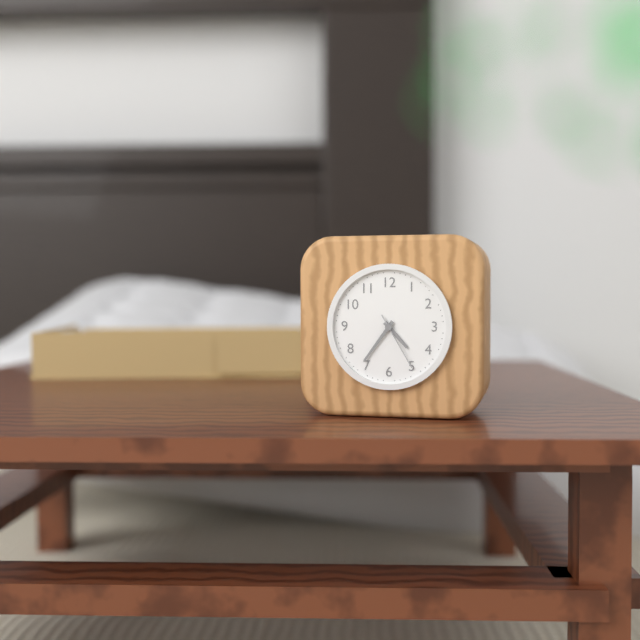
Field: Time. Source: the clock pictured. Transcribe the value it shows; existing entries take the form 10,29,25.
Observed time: 4,36,25
